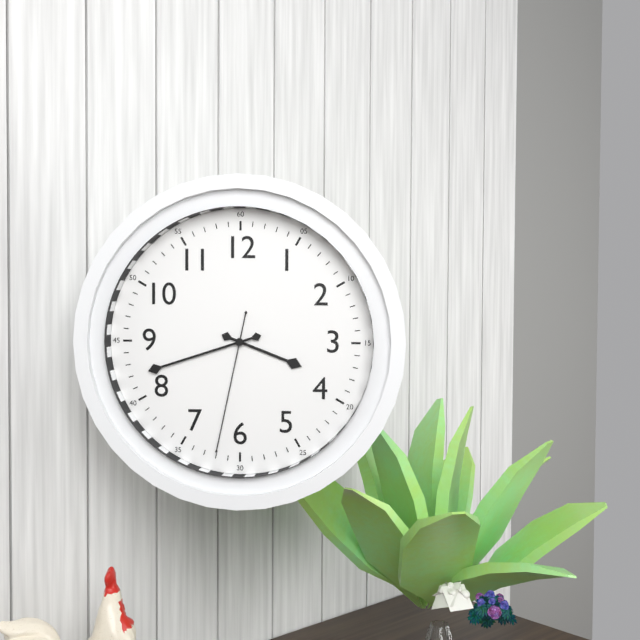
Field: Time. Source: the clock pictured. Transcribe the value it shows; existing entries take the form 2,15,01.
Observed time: 3,42,32
